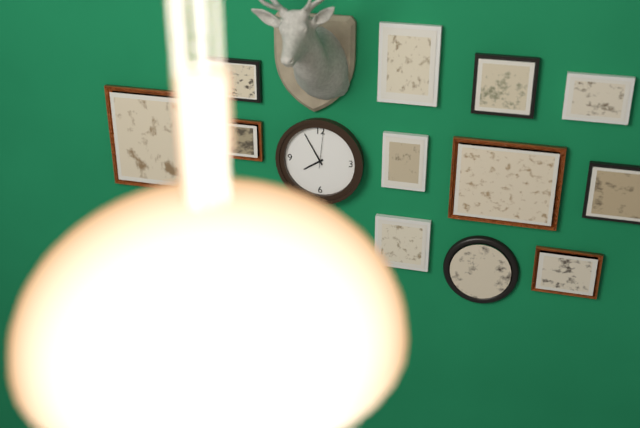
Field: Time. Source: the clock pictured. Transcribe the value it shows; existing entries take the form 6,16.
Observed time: 7,55
